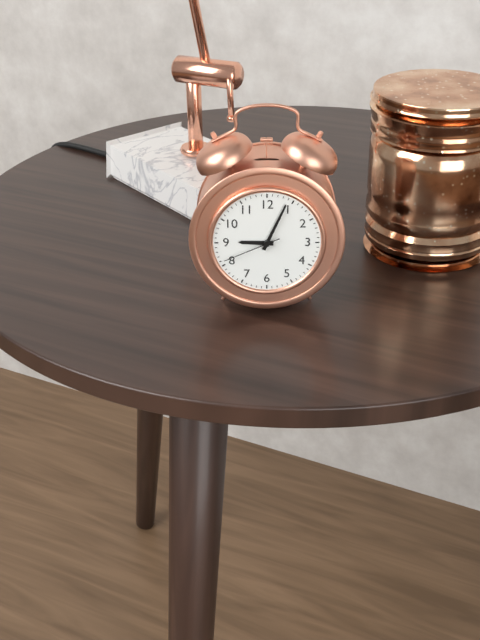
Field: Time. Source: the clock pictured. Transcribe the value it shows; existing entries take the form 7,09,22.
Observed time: 9,04,41
